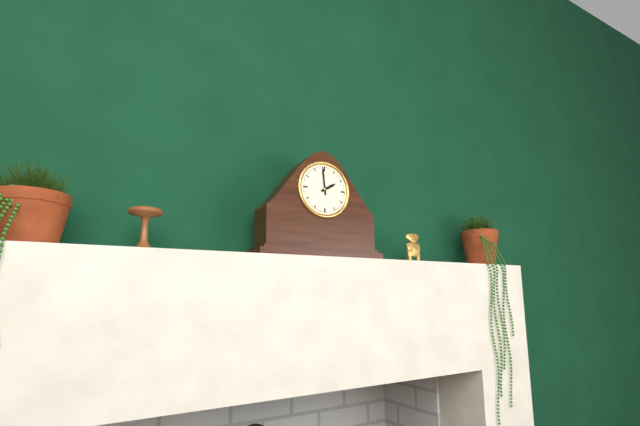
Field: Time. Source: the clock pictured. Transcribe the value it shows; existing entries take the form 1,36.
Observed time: 1,59
